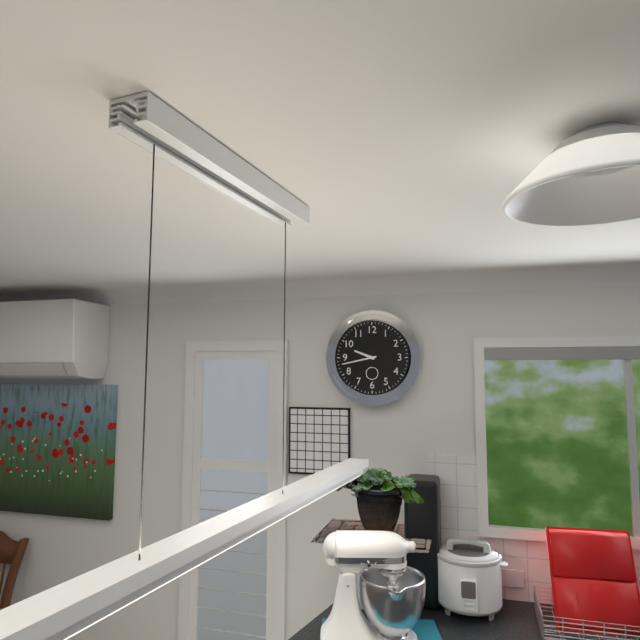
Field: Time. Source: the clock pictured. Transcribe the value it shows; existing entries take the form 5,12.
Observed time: 9,43
